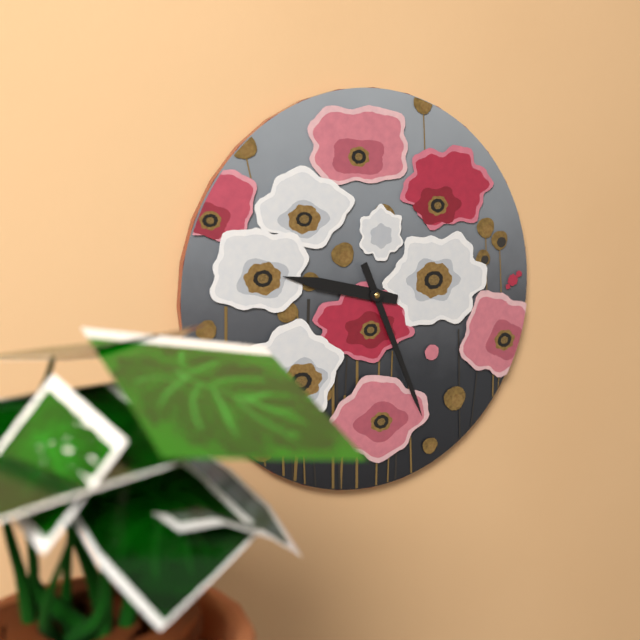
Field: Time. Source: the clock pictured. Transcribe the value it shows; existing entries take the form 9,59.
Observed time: 9,26
